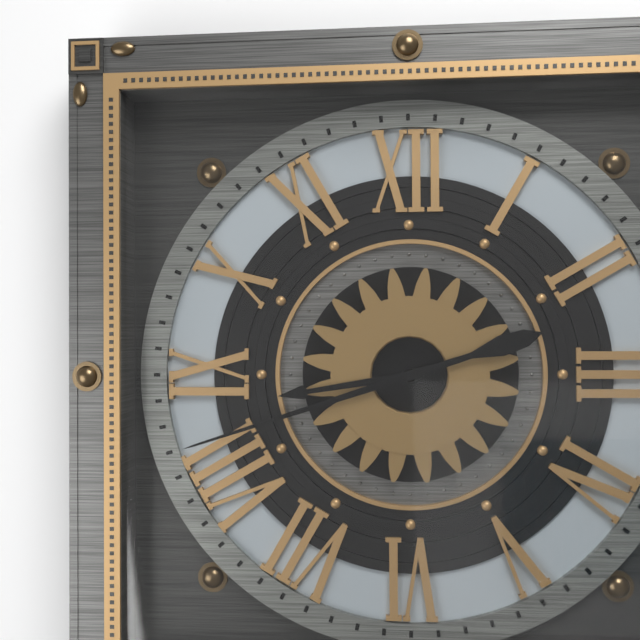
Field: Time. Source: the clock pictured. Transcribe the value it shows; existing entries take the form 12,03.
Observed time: 8,42
